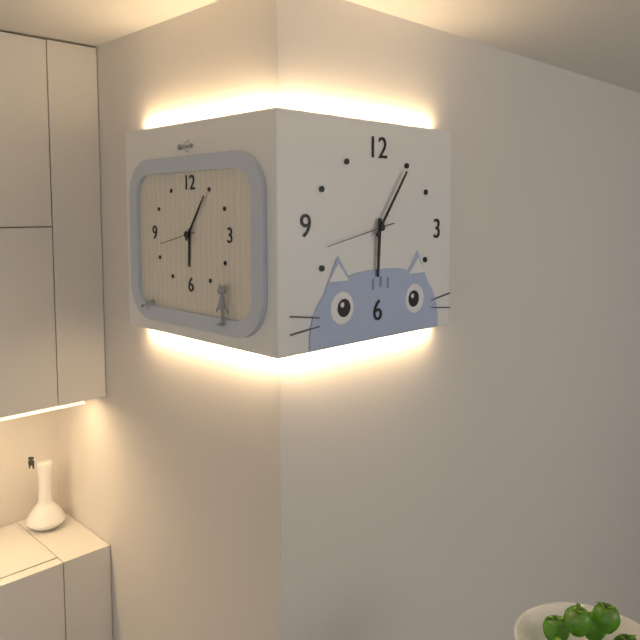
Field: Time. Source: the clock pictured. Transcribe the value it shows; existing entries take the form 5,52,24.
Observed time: 6,06,43
